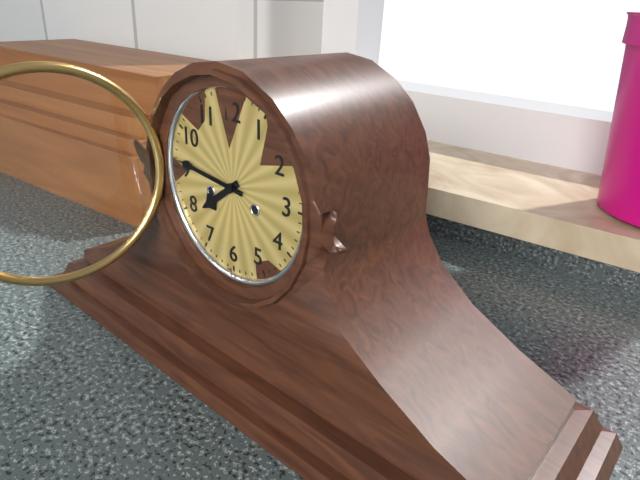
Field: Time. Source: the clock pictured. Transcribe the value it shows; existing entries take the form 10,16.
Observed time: 7,46
